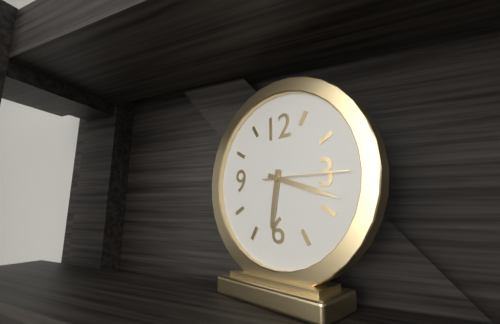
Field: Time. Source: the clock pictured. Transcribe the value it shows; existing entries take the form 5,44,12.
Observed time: 6,18,15
